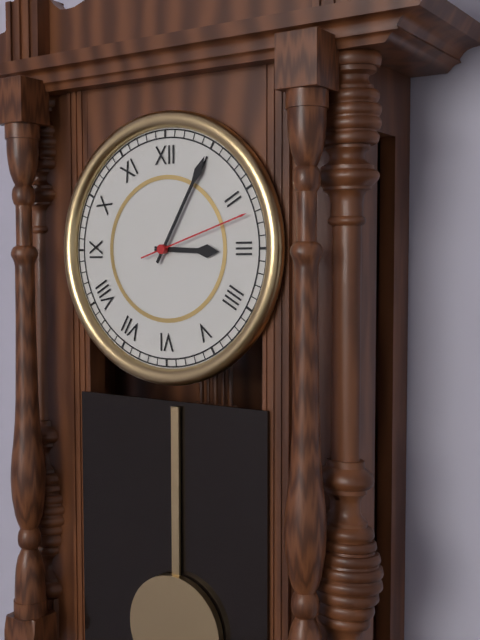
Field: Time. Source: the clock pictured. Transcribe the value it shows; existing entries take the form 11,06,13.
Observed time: 3,05,12
